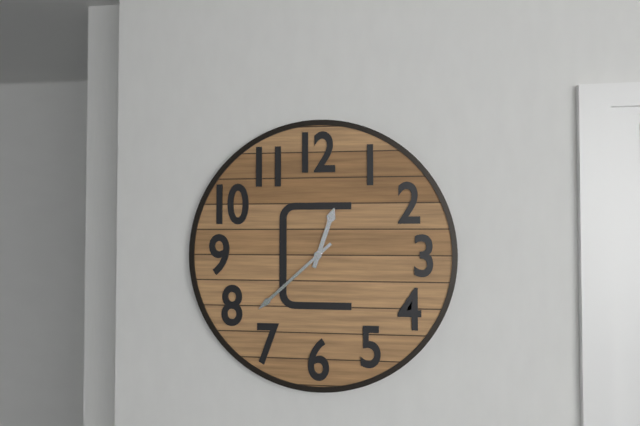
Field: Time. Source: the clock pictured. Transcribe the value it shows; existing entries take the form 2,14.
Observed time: 12,38
